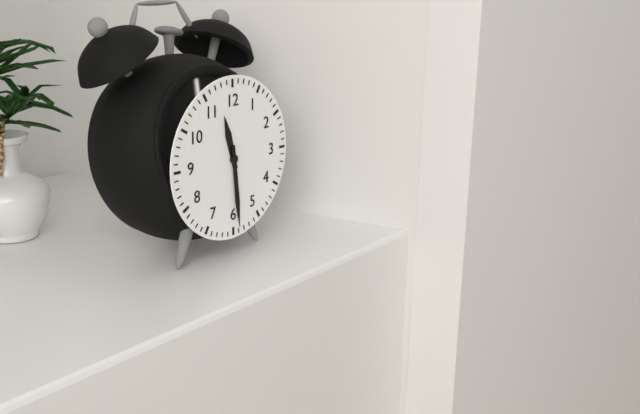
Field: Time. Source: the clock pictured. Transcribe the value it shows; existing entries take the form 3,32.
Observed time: 11,29
